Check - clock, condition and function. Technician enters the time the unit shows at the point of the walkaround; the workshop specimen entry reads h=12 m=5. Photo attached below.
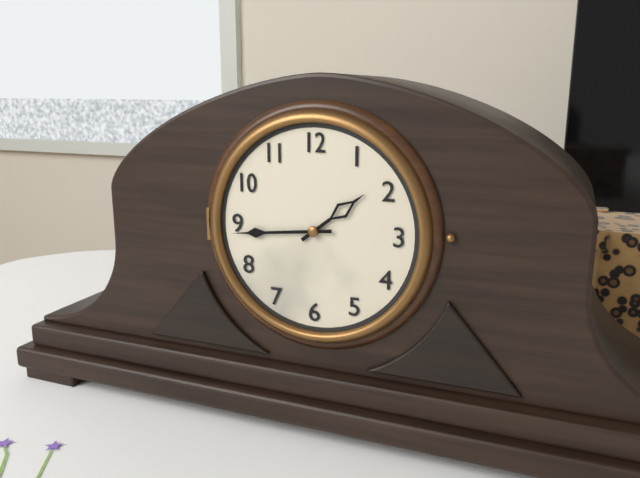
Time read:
h=1 m=44
